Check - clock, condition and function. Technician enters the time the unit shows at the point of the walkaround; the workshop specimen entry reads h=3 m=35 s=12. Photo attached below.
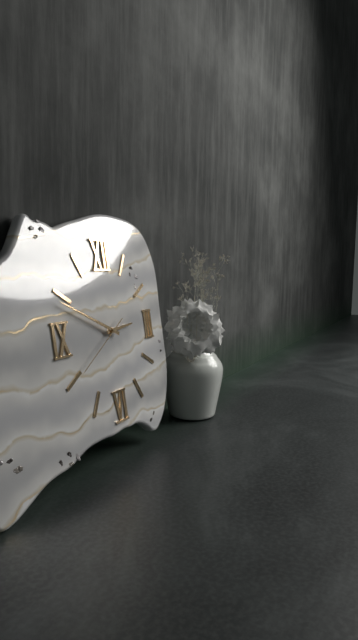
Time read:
h=2 m=49 s=40
